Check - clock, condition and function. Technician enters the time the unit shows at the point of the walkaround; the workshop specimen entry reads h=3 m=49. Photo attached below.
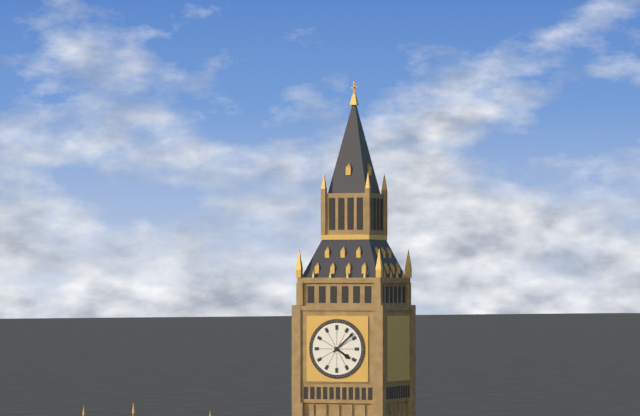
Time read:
h=4 m=8
